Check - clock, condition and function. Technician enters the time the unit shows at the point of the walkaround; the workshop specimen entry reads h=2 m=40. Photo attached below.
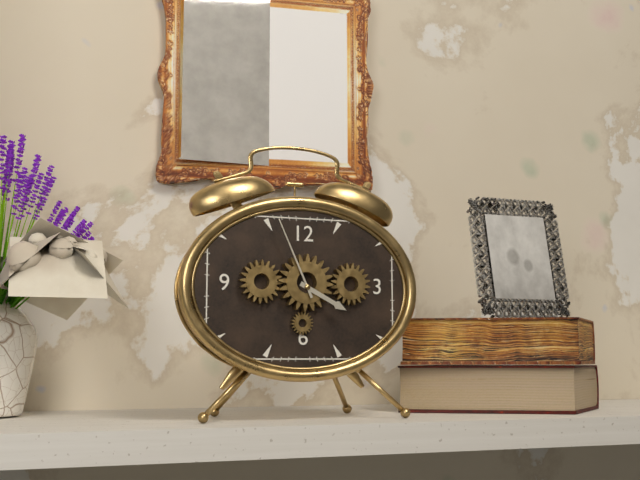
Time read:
h=3 m=56
